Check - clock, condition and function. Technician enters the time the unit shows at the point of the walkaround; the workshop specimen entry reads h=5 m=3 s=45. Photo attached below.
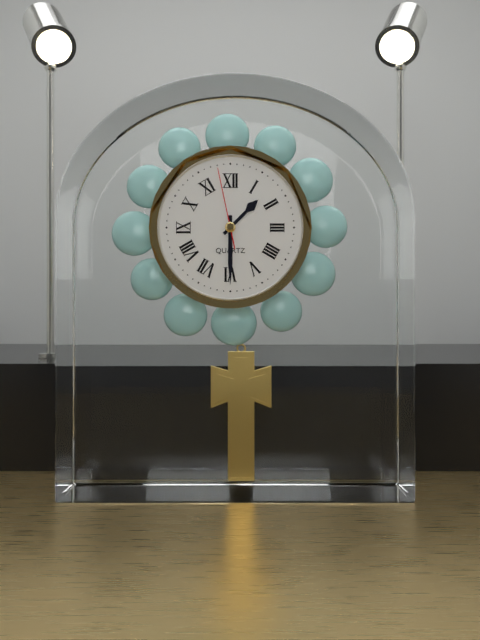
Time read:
h=1 m=30 s=58
